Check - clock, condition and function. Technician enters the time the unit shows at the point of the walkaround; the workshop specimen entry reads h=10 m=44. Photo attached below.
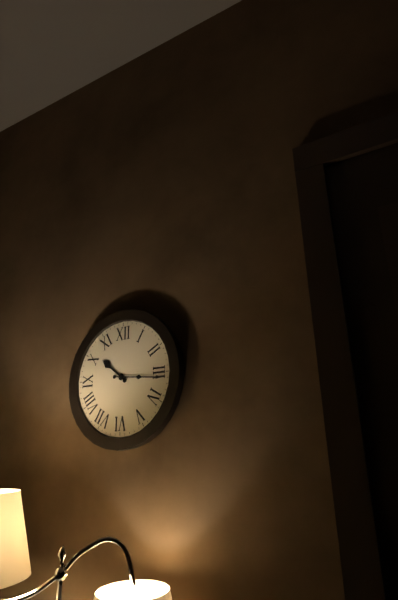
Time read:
h=10 m=16
